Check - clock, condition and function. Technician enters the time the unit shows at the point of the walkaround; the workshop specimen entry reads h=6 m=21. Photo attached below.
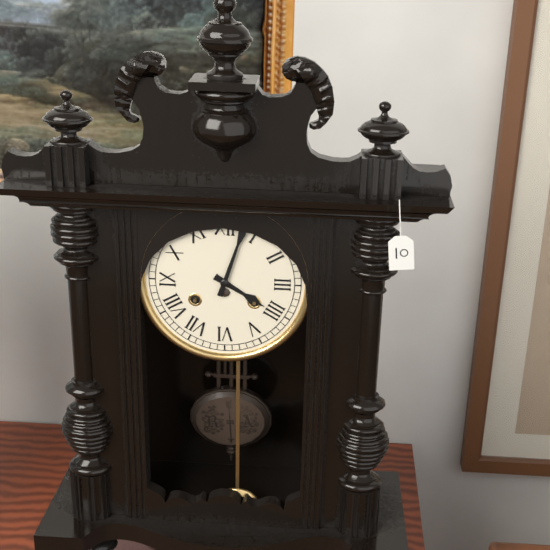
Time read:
h=4 m=3
